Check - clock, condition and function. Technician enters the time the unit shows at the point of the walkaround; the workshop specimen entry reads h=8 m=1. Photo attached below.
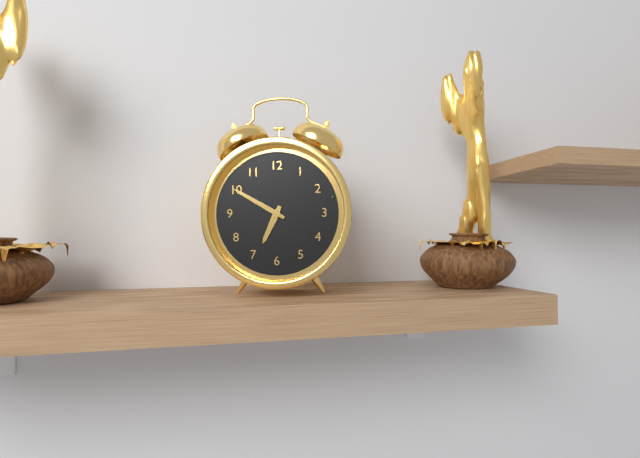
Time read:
h=6 m=50
